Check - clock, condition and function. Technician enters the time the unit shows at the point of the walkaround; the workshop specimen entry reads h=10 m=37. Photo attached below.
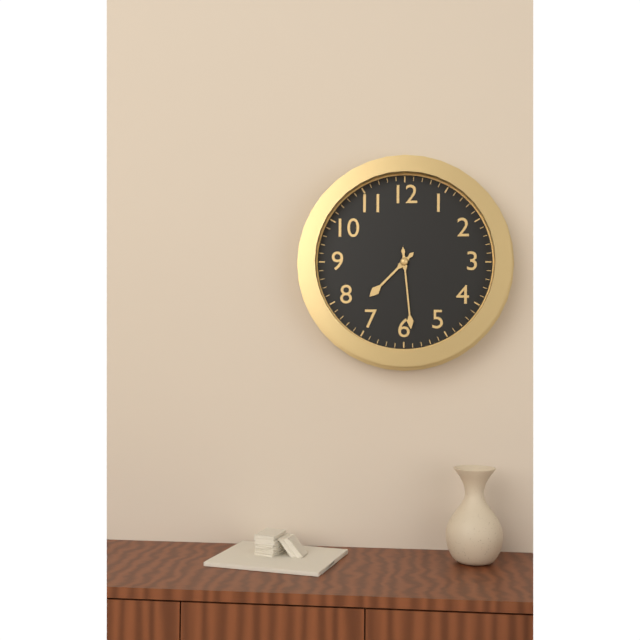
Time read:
h=7 m=29
